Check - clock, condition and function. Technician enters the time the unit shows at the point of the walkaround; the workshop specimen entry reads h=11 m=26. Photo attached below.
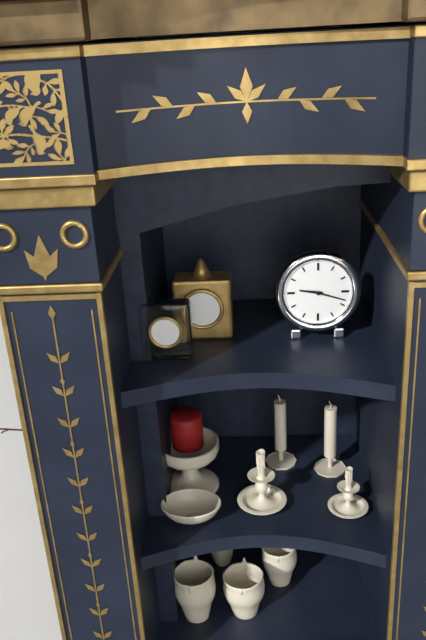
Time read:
h=9 m=18
